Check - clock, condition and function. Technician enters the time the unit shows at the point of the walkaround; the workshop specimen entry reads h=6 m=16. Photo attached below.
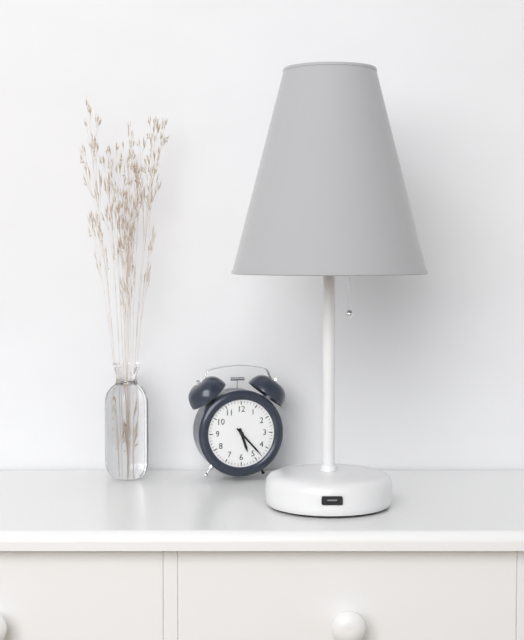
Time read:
h=5 m=23
